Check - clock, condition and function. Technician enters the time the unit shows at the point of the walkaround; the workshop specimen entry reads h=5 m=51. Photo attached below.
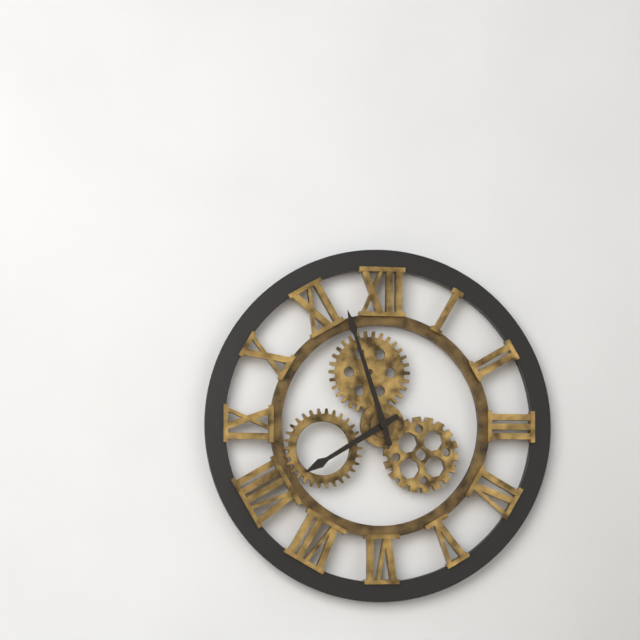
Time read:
h=7 m=57
